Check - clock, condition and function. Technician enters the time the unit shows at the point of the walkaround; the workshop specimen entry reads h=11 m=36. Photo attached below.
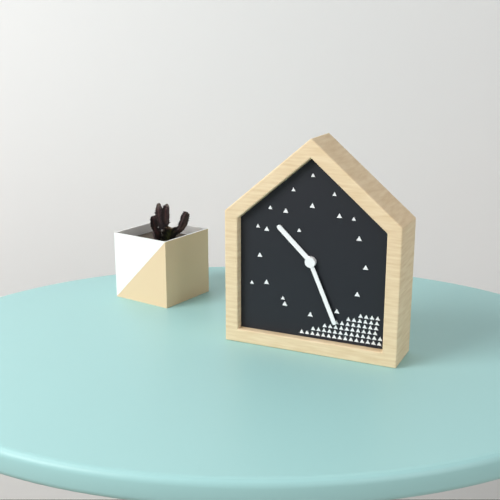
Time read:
h=10 m=26
